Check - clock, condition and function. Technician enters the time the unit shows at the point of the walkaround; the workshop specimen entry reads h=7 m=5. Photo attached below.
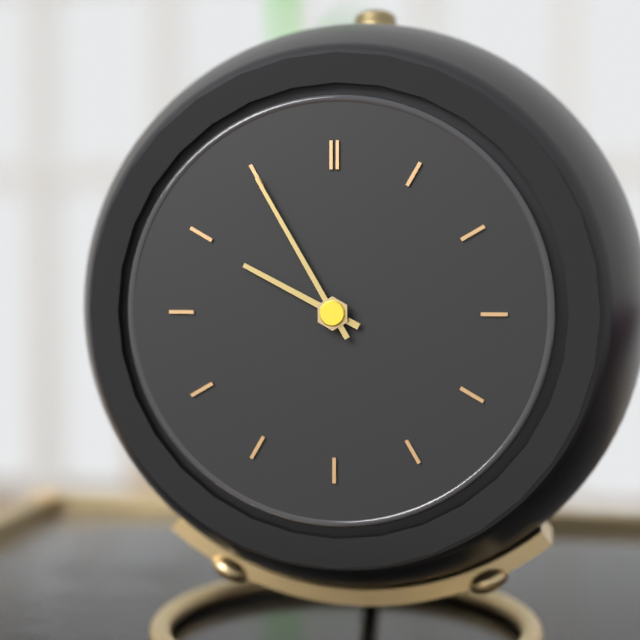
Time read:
h=9 m=55
